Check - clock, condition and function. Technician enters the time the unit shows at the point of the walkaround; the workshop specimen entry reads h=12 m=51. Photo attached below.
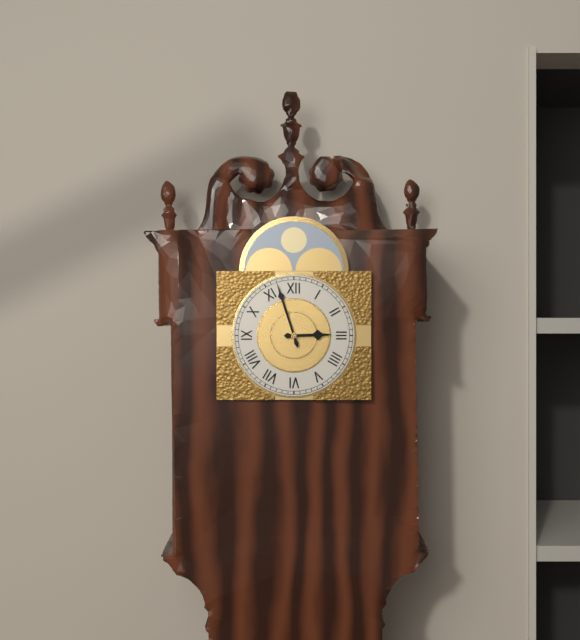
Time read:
h=2 m=57
